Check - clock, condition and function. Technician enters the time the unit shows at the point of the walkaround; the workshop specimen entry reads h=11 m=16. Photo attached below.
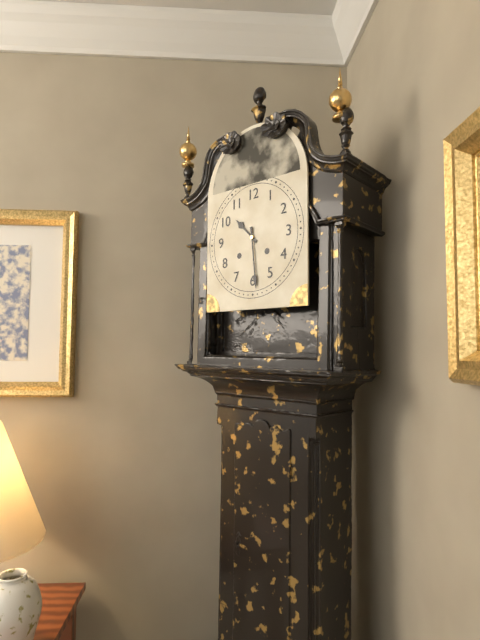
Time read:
h=10 m=29
